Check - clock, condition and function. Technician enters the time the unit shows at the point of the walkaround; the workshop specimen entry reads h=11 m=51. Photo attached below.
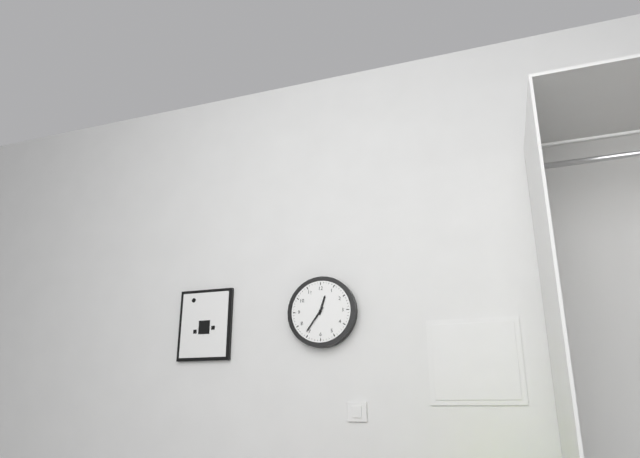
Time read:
h=12 m=36
